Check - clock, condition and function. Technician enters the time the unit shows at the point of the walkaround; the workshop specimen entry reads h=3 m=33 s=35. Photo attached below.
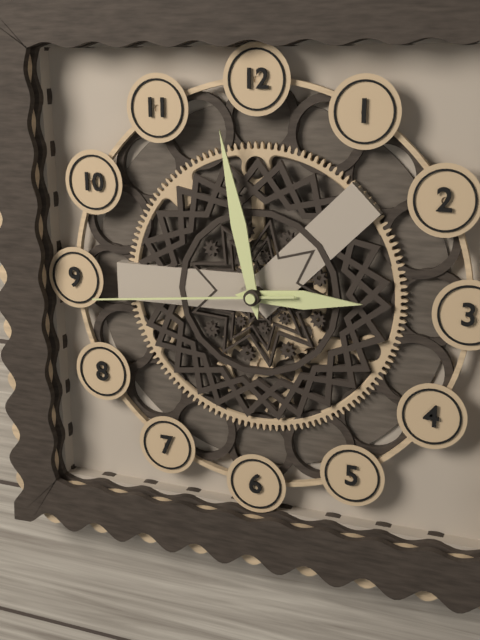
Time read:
h=2 m=58 s=44
